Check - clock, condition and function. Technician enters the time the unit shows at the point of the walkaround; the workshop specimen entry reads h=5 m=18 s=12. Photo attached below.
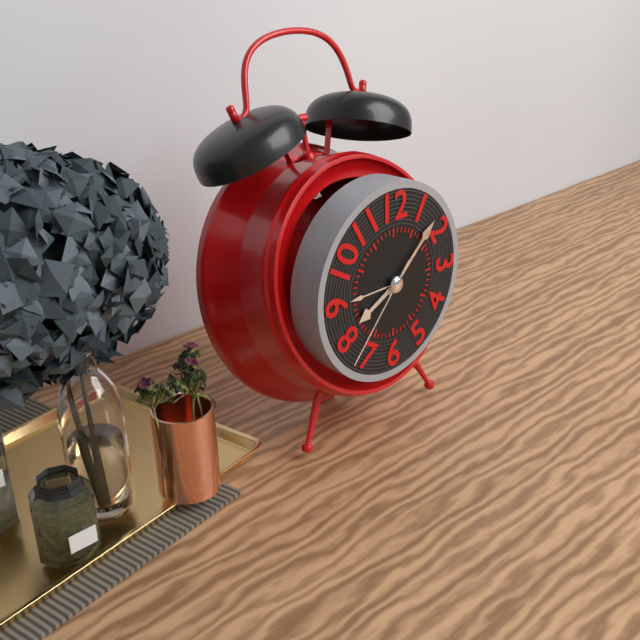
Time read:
h=8 m=8 s=37
